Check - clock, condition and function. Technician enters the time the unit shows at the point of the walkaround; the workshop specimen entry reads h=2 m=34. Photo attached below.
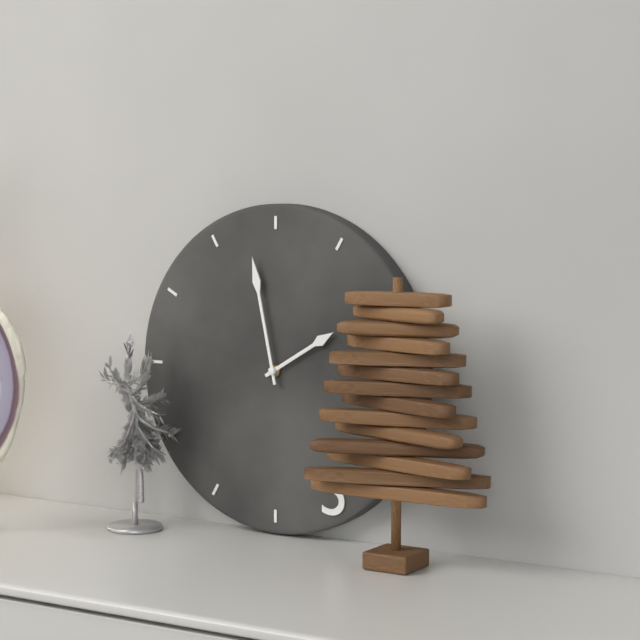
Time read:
h=1 m=58
